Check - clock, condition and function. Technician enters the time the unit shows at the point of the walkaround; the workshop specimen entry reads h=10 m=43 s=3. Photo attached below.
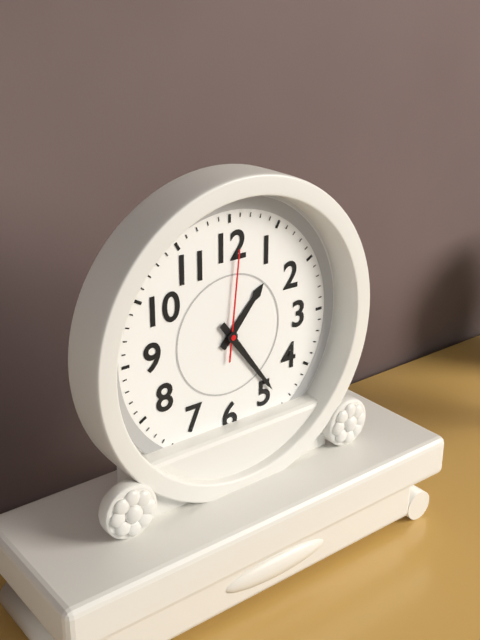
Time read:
h=1 m=24 s=1
